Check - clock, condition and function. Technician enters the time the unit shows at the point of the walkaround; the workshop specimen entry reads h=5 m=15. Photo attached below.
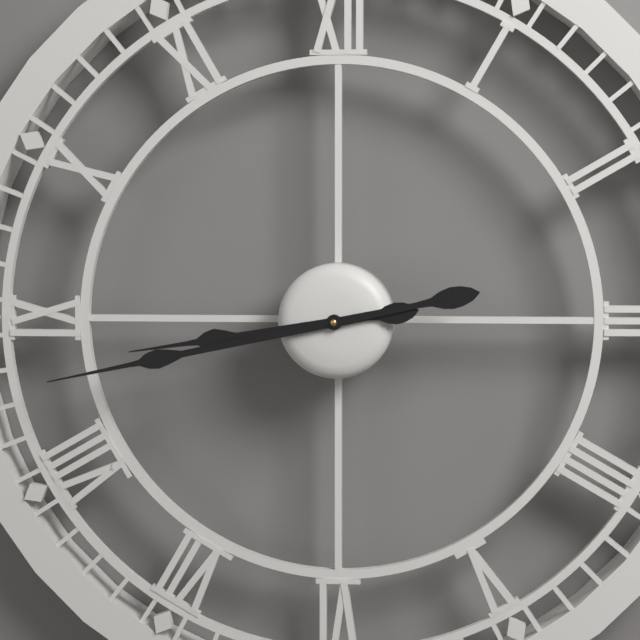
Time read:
h=8 m=43
